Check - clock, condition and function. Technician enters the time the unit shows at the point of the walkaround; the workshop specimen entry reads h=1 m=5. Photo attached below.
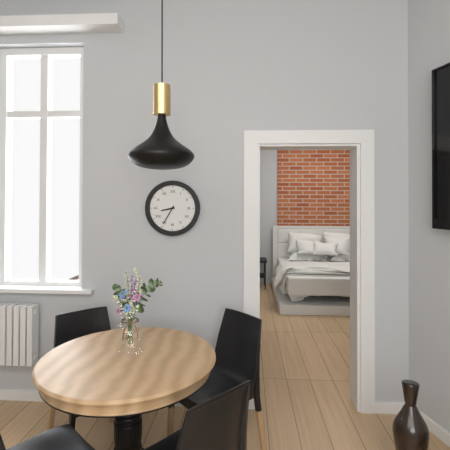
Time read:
h=8 m=35
